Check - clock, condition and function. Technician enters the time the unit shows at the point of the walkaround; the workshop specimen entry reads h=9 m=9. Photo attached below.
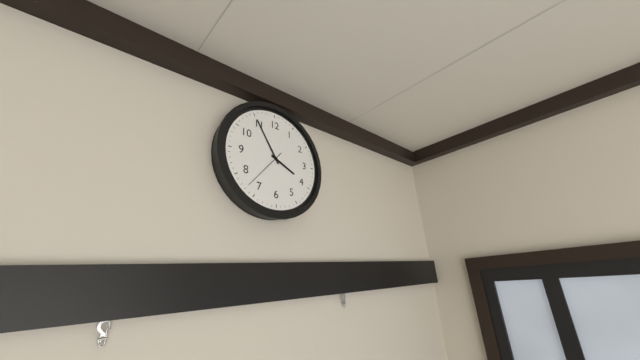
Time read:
h=3 m=55
